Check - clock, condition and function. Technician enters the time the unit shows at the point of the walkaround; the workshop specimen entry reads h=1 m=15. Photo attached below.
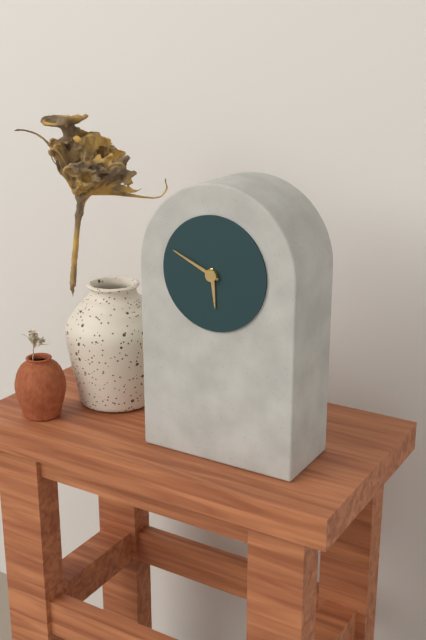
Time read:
h=5 m=49
